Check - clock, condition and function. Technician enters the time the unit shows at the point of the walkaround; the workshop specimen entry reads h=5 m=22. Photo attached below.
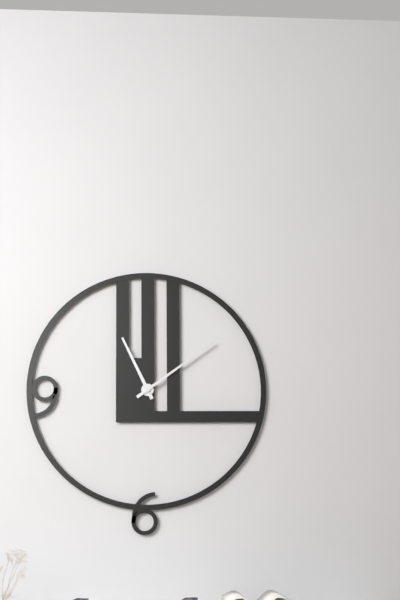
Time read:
h=11 m=9
